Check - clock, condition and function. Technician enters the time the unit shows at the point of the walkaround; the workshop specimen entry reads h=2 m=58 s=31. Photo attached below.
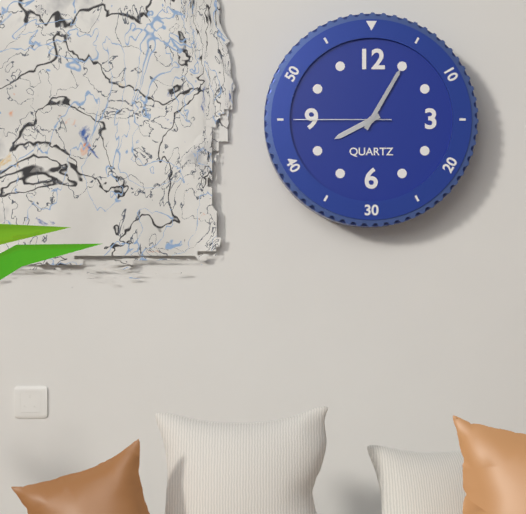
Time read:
h=8 m=5 s=45
